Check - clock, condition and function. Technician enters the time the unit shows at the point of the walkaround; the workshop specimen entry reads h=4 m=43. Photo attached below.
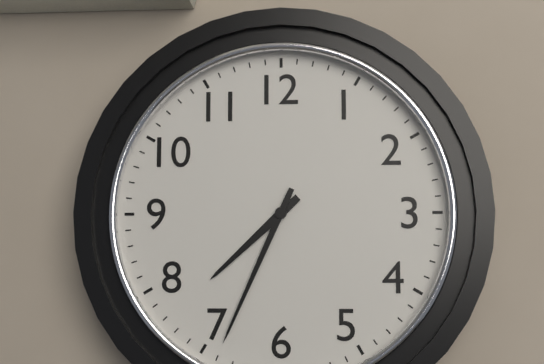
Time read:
h=7 m=34
